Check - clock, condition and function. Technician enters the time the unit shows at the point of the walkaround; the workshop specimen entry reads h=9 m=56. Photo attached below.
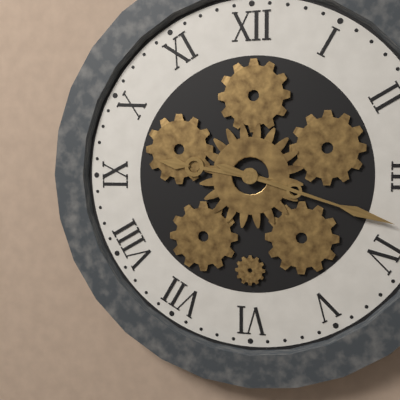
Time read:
h=9 m=18
